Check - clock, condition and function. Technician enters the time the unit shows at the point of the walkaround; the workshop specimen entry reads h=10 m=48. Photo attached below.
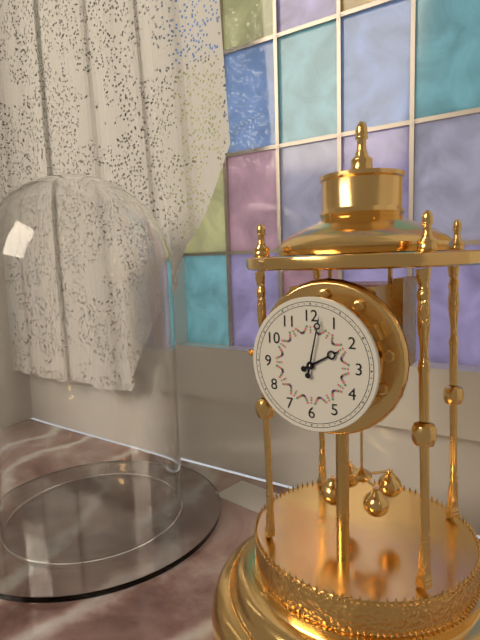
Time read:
h=2 m=2
